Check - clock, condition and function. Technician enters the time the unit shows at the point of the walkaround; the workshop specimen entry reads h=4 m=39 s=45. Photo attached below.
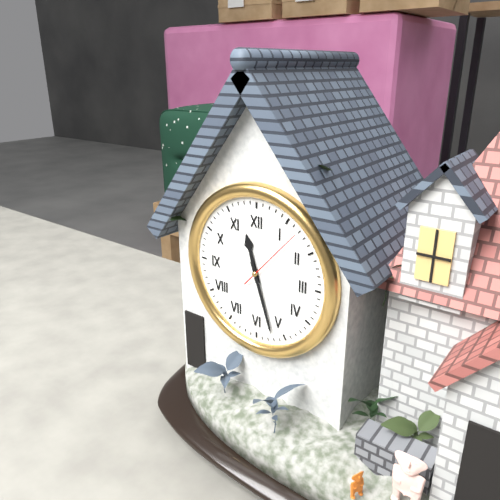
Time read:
h=11 m=27 s=7
